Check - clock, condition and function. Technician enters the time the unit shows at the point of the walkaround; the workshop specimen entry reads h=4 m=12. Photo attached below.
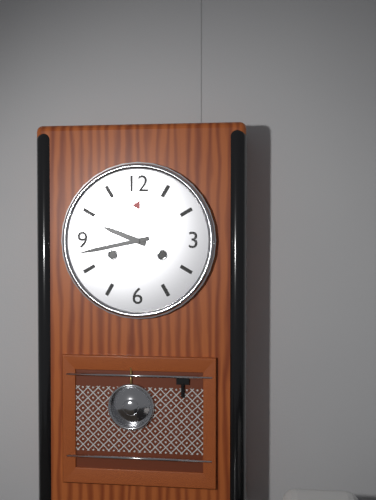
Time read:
h=9 m=43
